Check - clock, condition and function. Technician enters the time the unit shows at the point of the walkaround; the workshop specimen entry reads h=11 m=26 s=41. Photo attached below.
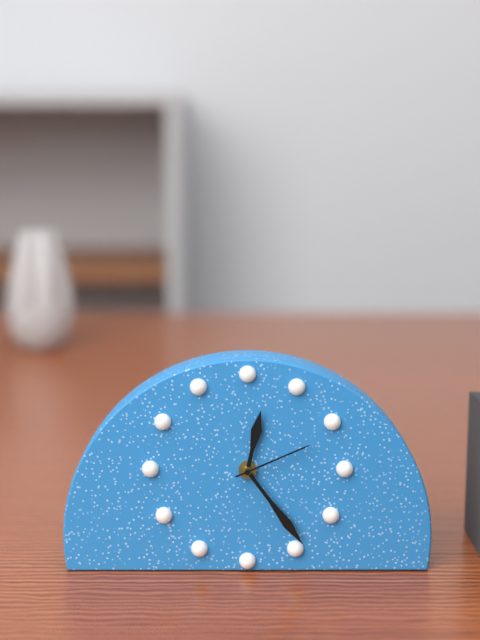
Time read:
h=12 m=24 s=11
